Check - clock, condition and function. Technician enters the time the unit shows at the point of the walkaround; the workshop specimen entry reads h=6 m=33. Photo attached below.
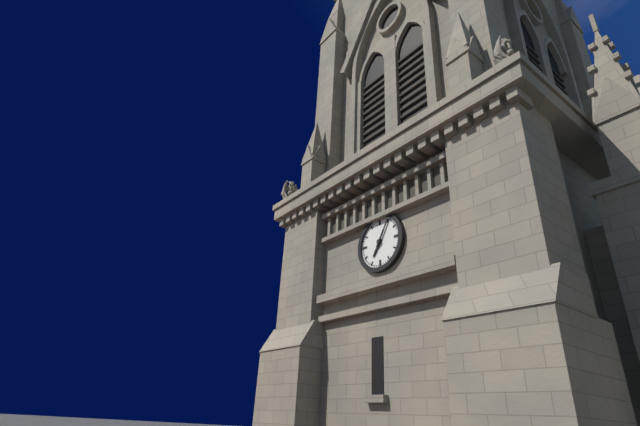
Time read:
h=7 m=5
